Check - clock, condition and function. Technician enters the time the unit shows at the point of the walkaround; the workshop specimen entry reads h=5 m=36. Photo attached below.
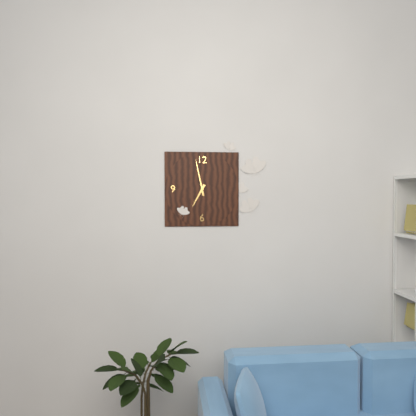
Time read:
h=6 m=58
